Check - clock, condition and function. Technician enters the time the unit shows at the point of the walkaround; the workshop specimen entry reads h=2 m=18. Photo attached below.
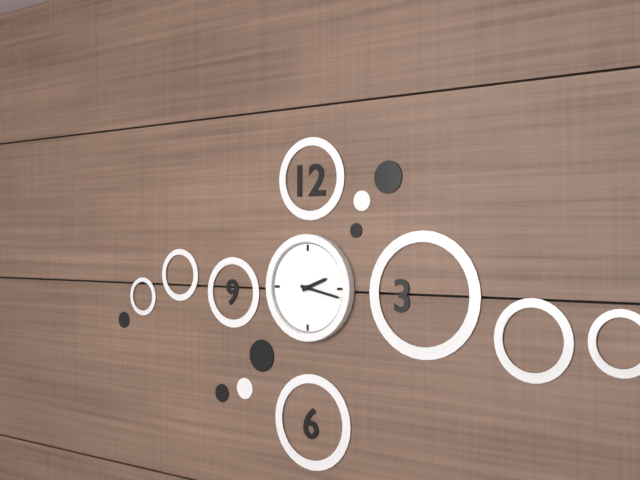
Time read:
h=2 m=17
